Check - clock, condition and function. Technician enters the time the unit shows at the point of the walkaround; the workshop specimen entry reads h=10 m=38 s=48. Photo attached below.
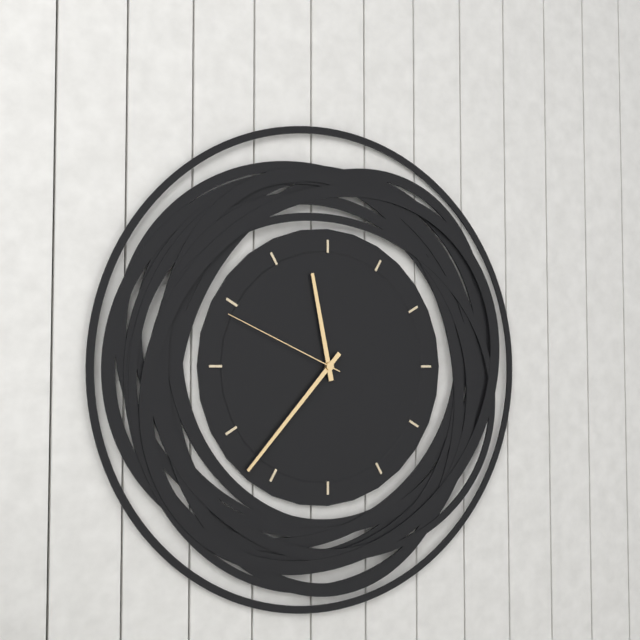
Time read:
h=11 m=37 s=49
